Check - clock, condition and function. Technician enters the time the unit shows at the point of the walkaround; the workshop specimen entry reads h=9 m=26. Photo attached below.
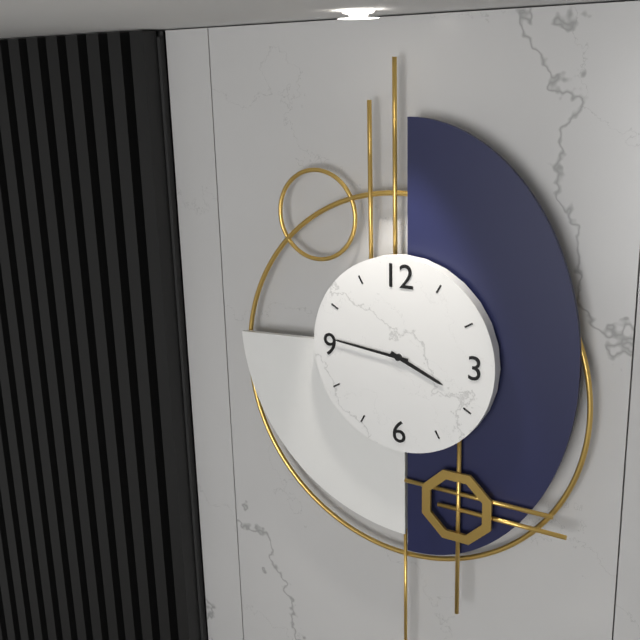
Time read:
h=3 m=46
